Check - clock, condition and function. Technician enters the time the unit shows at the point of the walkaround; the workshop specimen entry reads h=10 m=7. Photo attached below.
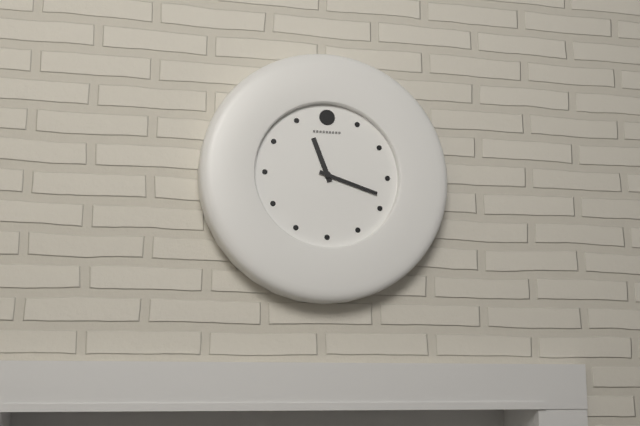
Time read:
h=11 m=18
